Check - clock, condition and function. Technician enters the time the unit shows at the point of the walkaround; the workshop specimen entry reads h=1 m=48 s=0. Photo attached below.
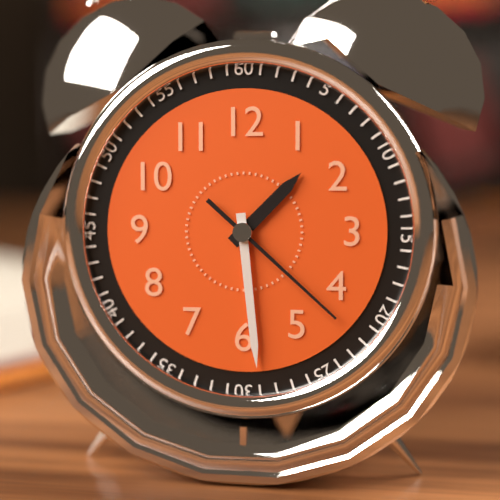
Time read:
h=1 m=29 s=22
